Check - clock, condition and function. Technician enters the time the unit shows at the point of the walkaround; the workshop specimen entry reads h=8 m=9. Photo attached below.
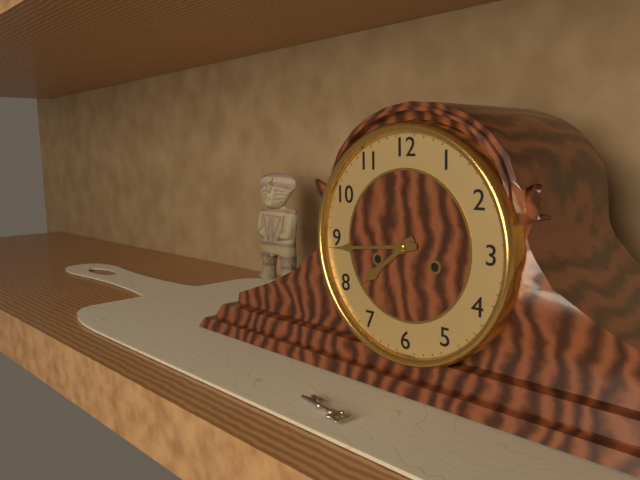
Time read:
h=7 m=44
